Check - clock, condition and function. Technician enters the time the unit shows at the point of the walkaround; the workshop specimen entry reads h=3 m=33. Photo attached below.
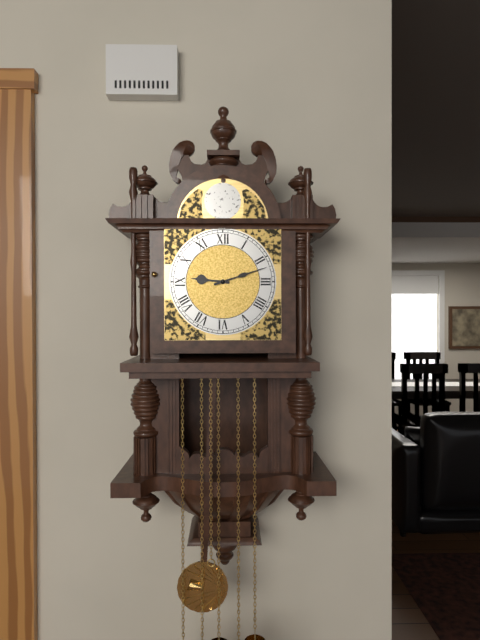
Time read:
h=9 m=12
